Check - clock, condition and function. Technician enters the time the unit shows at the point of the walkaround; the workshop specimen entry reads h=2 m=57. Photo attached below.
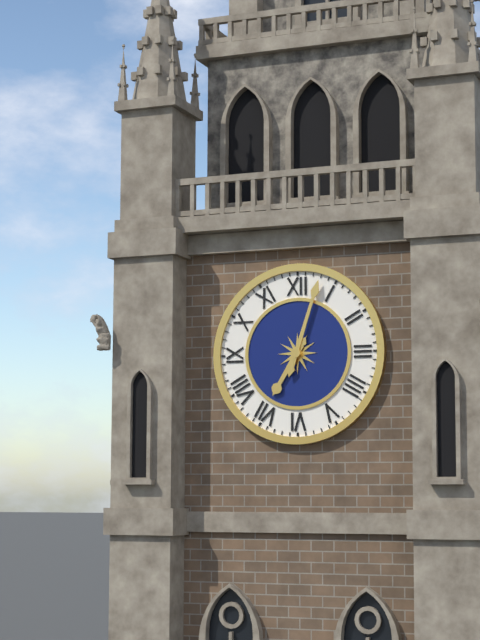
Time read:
h=7 m=3
